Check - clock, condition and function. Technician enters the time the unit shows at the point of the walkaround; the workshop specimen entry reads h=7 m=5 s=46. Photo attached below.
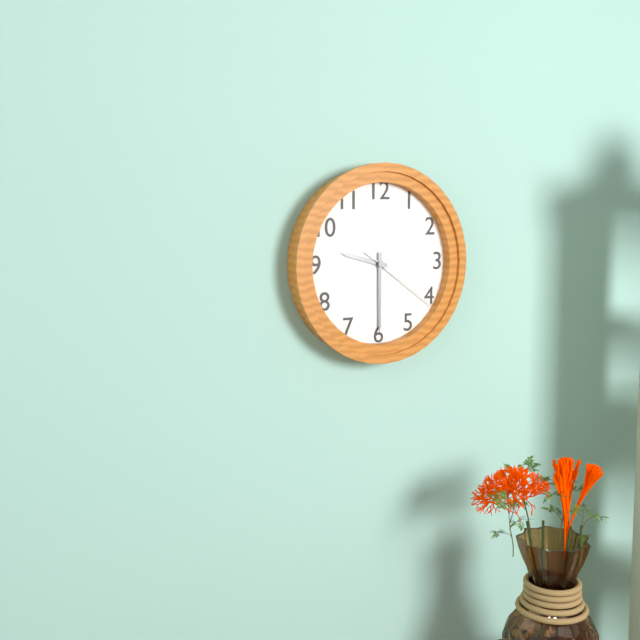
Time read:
h=9 m=30 s=21
